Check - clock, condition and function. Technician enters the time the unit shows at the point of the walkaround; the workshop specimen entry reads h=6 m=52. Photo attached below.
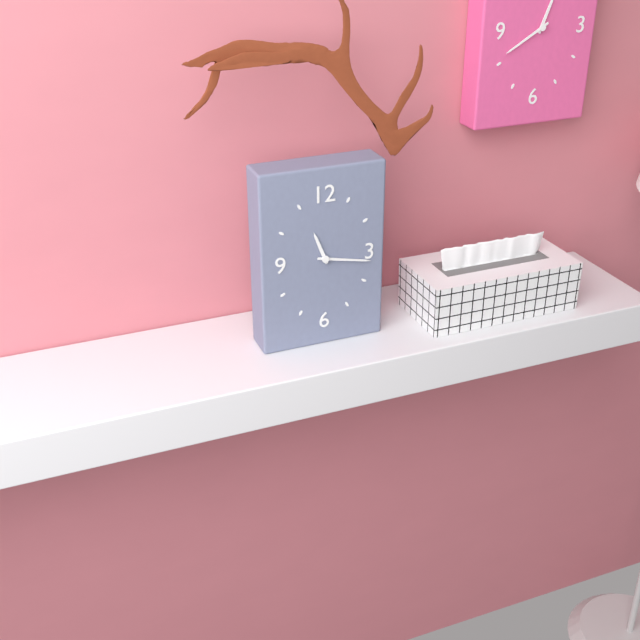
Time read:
h=11 m=17
